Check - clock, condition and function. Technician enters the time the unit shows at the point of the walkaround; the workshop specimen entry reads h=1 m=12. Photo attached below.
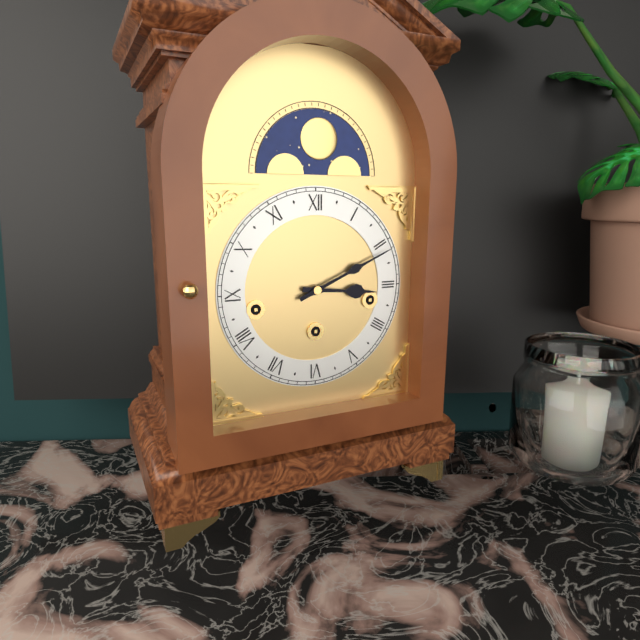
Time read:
h=3 m=11
